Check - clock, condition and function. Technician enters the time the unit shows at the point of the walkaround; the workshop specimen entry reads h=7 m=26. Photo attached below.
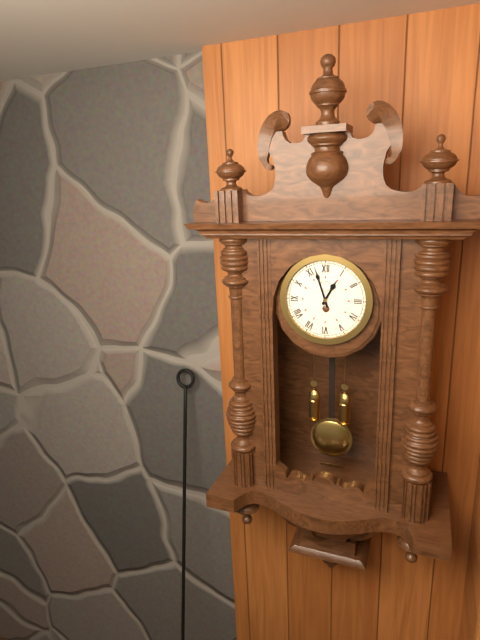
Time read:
h=12 m=57
